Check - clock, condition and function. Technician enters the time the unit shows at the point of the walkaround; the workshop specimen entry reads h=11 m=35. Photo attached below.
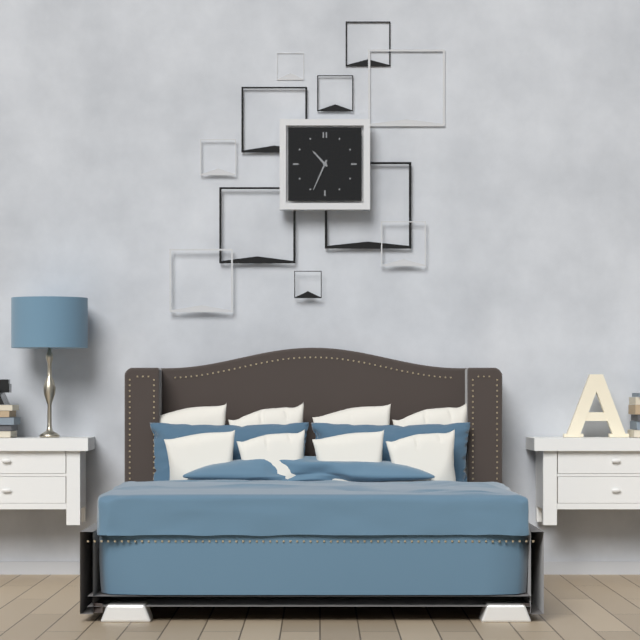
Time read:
h=10 m=34
